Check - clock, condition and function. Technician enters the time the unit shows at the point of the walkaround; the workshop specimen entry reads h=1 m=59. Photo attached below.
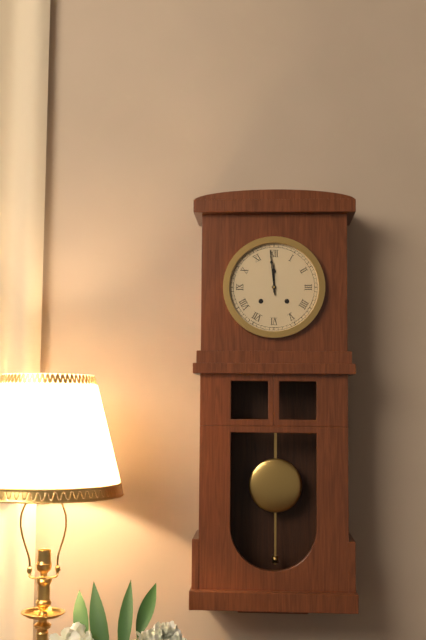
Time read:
h=11 m=59
